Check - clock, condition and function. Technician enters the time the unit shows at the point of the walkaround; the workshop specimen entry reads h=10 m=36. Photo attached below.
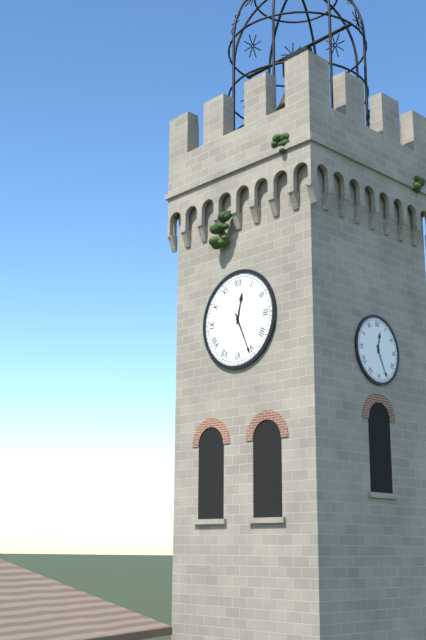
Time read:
h=12 m=26
